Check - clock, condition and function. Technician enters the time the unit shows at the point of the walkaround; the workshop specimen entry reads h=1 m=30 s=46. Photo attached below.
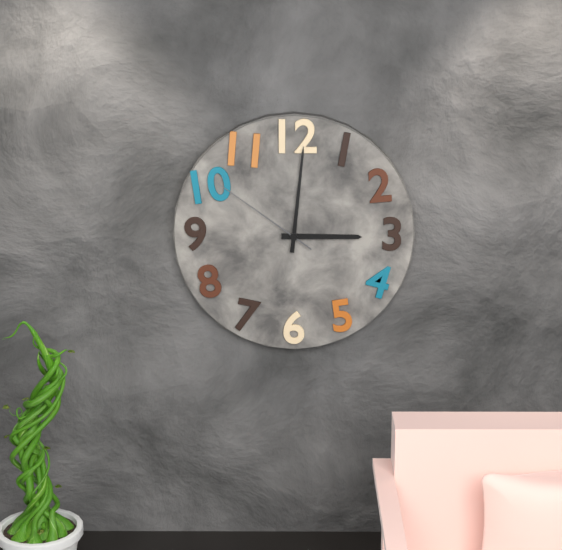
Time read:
h=3 m=1 s=51
